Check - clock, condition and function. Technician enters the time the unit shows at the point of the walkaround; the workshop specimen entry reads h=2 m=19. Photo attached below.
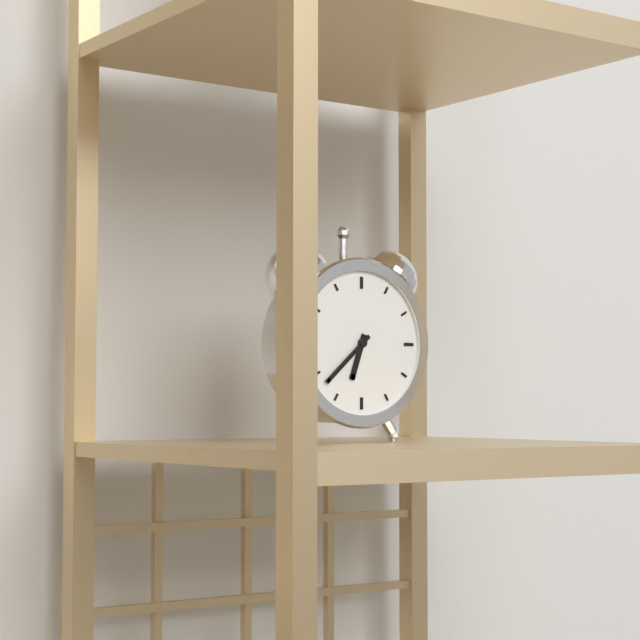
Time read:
h=6 m=38
